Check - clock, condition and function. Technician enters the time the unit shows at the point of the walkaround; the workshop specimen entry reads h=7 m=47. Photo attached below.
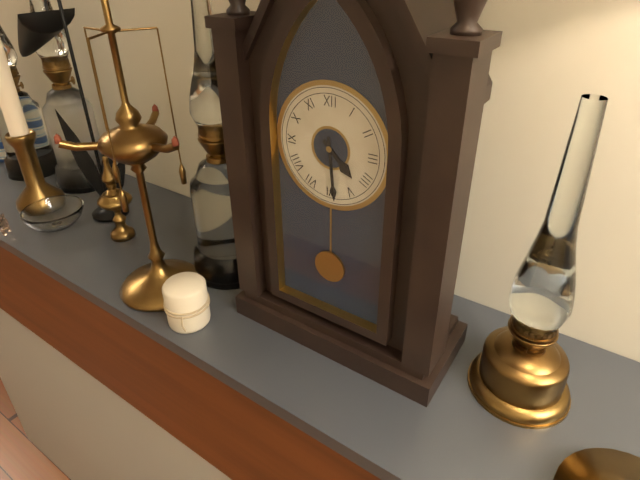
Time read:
h=4 m=29
